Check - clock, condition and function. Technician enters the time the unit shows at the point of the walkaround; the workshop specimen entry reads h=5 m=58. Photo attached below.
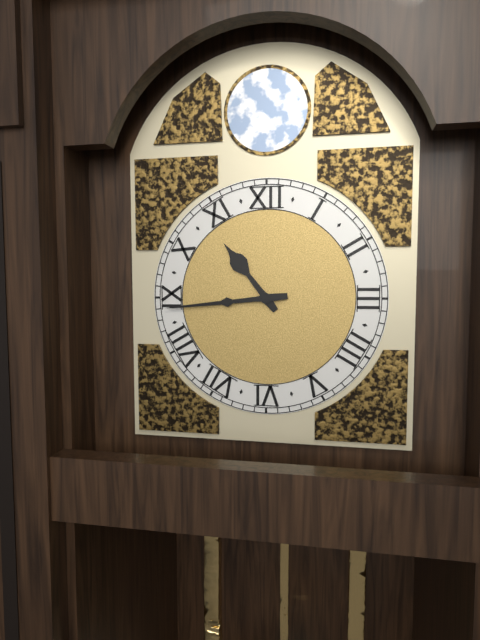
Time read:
h=10 m=44
